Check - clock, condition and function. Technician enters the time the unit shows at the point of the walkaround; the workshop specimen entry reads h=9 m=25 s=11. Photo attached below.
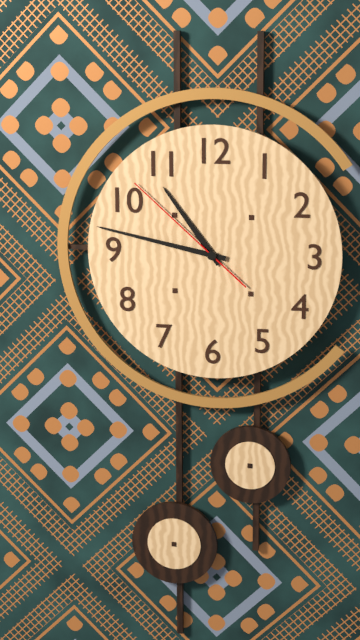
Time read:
h=10 m=47 s=52
